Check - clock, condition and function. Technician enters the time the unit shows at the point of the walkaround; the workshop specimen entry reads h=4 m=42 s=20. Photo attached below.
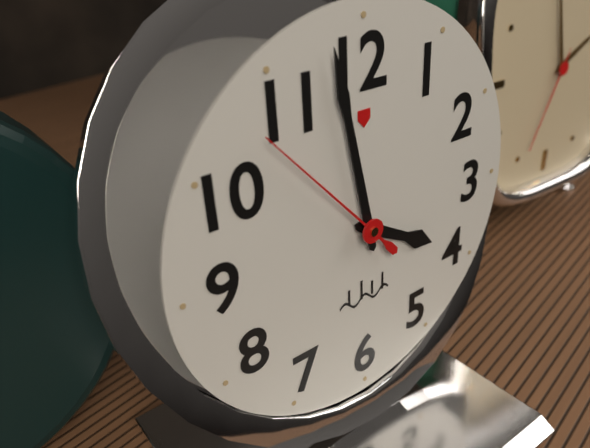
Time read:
h=3 m=58 s=53
